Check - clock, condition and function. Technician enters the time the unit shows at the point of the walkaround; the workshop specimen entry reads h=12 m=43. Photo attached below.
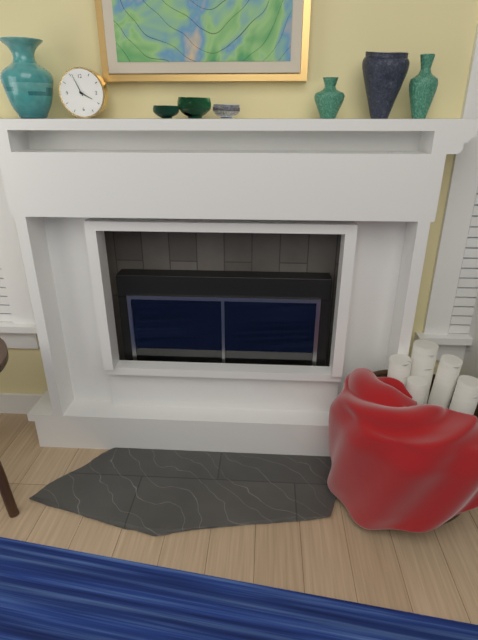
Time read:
h=3 m=56
